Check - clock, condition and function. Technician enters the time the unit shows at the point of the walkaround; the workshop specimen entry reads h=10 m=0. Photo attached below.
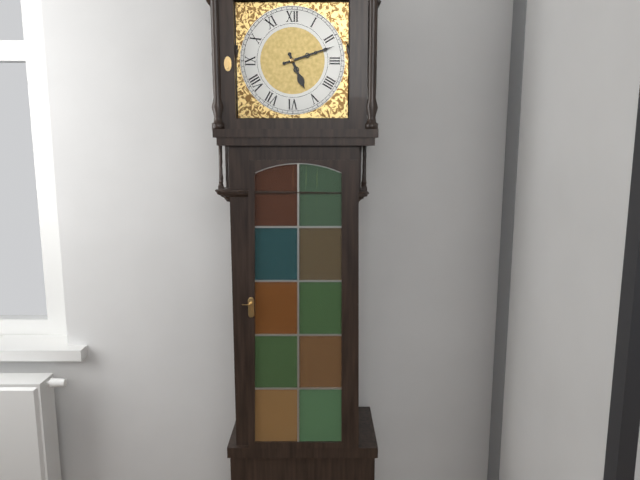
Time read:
h=5 m=12
